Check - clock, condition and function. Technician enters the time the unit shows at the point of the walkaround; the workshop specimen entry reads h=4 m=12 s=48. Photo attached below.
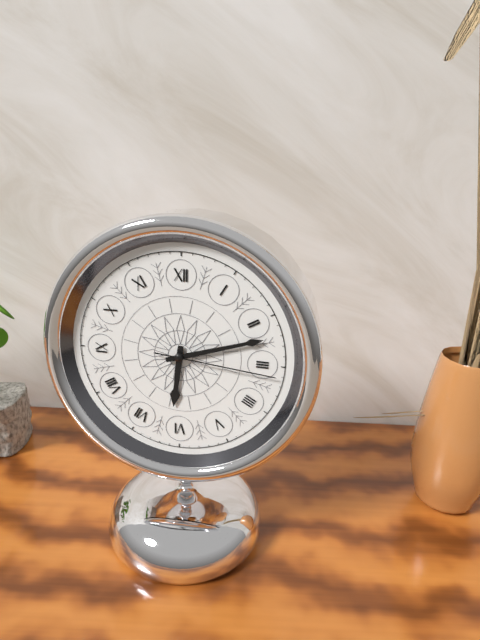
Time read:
h=6 m=12 s=16
